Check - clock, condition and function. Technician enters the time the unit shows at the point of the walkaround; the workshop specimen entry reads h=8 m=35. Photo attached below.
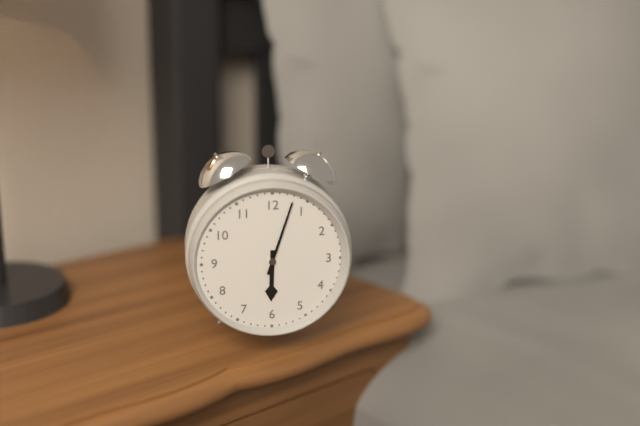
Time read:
h=6 m=3
